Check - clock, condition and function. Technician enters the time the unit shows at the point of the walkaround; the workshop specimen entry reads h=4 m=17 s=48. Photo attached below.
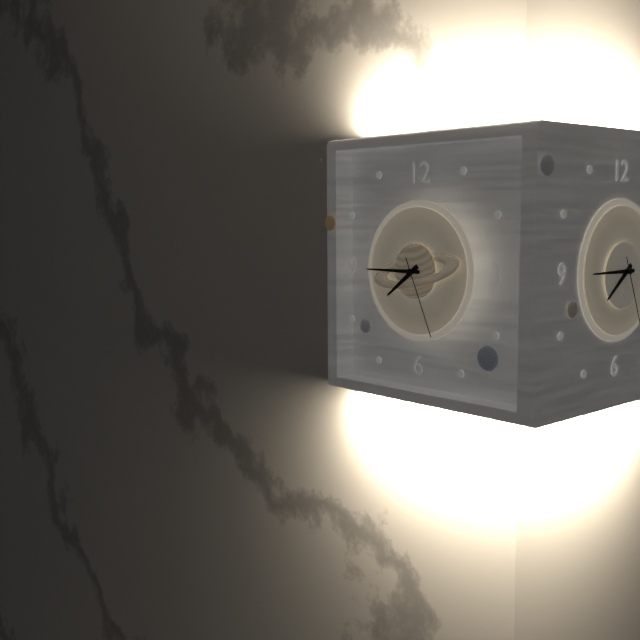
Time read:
h=7 m=45 s=26
